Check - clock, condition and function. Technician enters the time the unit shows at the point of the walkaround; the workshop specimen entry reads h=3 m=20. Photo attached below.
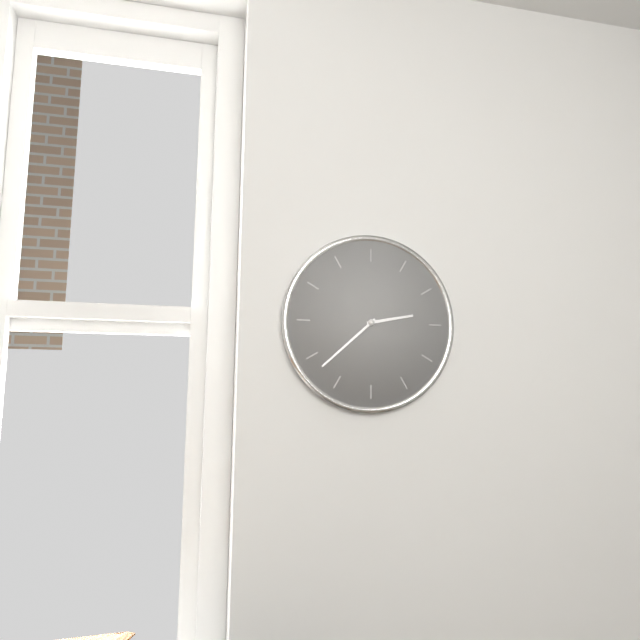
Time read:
h=2 m=38
